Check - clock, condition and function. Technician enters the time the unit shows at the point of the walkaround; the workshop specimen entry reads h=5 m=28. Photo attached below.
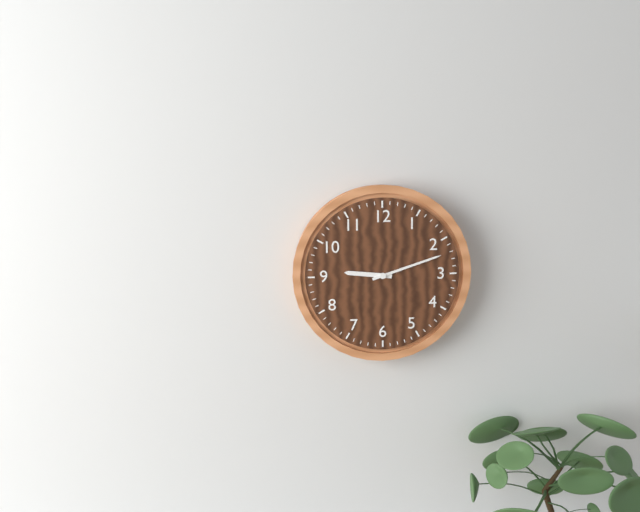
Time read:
h=9 m=12
